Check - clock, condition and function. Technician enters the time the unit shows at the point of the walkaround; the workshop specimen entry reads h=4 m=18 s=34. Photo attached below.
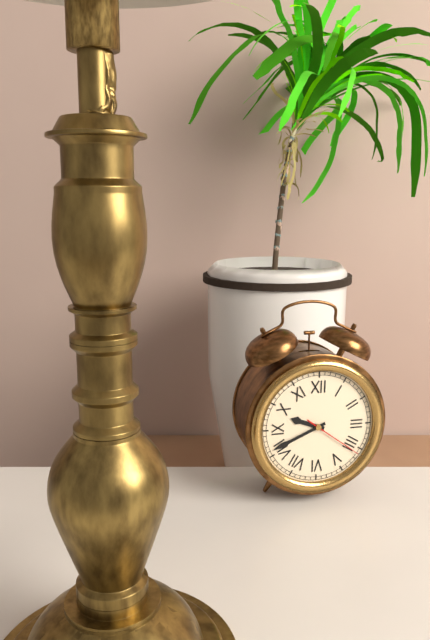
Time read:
h=9 m=41 s=21
